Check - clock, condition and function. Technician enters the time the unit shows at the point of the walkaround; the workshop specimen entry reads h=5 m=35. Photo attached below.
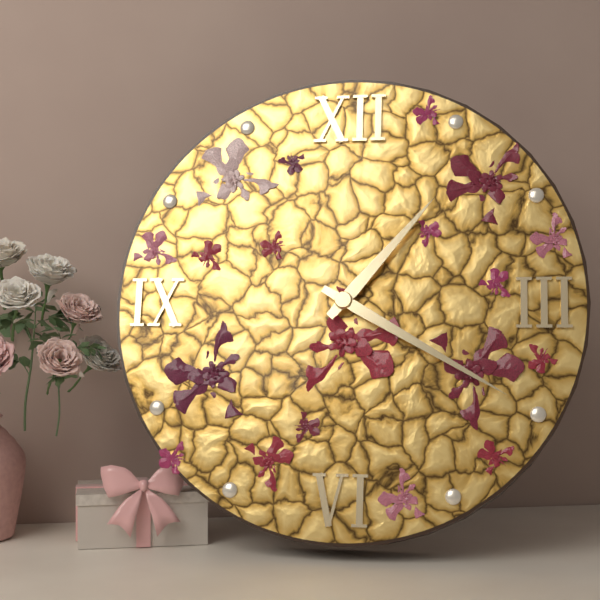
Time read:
h=1 m=20
